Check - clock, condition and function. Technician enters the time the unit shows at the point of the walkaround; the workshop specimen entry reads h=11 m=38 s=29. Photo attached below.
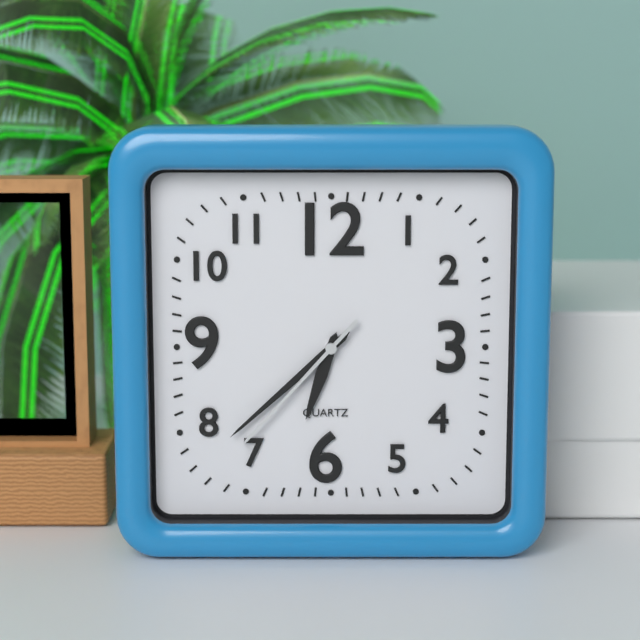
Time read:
h=6 m=38 s=37
